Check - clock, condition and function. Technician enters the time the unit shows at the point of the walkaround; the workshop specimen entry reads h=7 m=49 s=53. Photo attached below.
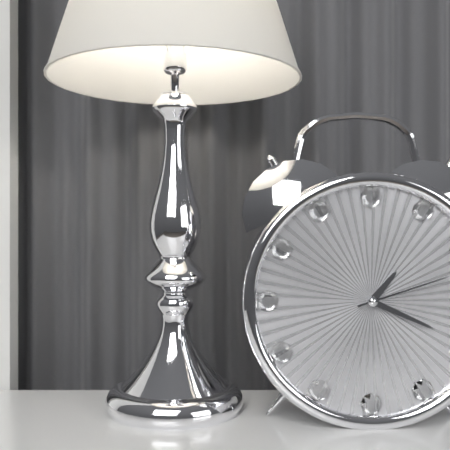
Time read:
h=1 m=19 s=12
